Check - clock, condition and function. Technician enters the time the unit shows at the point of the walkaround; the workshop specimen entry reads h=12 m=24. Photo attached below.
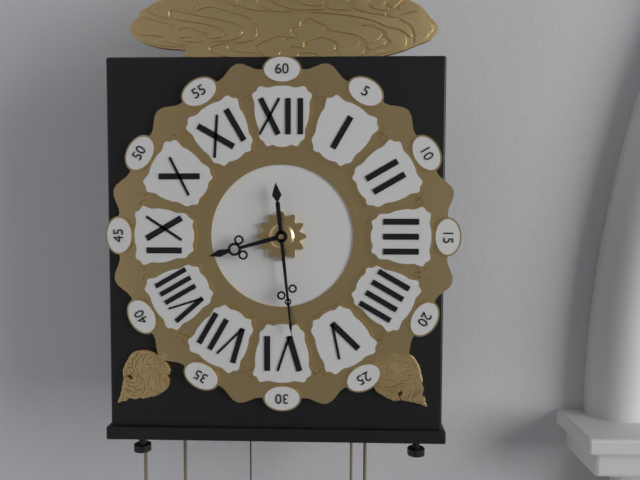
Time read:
h=8 m=29
